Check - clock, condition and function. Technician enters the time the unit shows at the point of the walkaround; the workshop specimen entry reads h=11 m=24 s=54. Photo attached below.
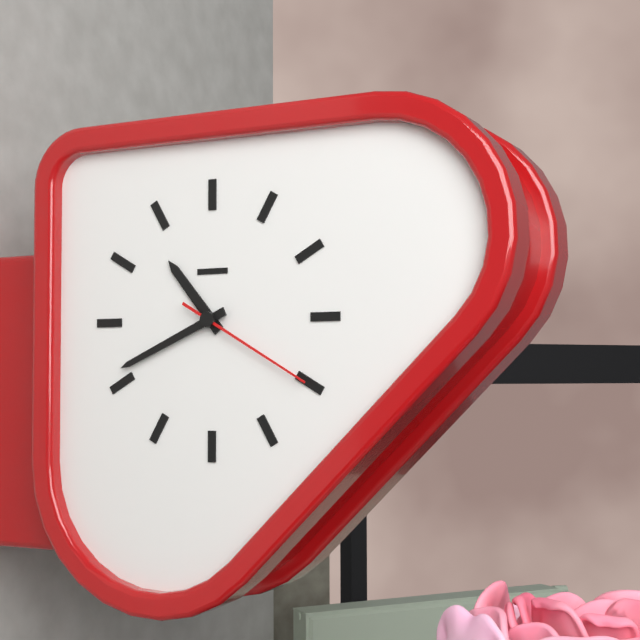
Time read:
h=10 m=41 s=20
